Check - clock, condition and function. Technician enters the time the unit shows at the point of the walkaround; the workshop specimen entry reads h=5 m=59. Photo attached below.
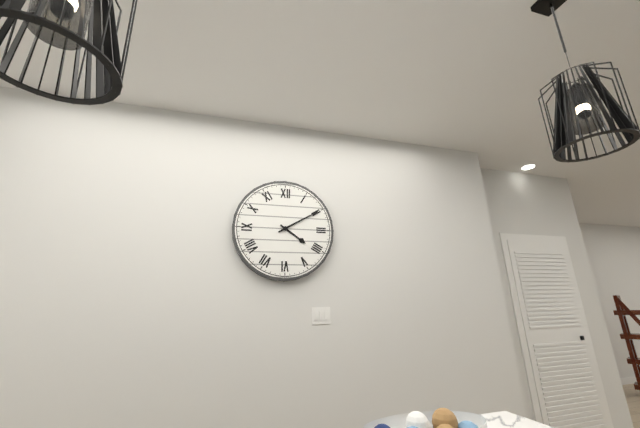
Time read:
h=4 m=10
